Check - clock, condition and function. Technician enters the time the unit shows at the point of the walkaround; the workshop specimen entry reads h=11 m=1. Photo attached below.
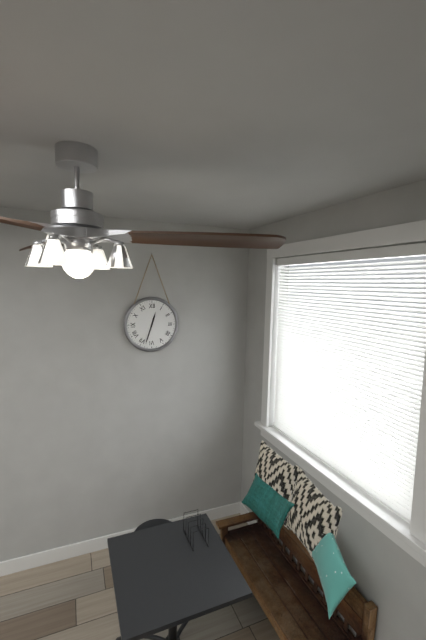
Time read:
h=12 m=33
